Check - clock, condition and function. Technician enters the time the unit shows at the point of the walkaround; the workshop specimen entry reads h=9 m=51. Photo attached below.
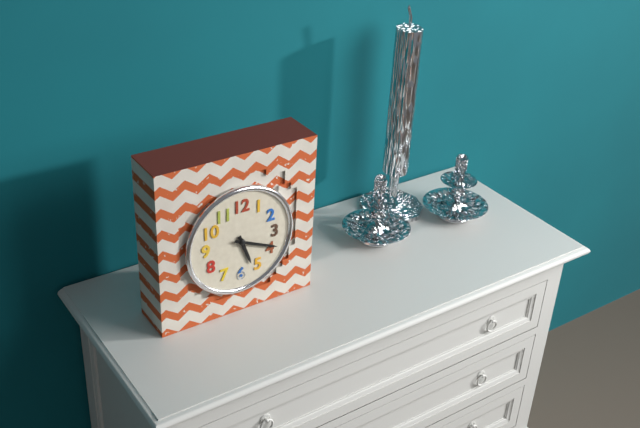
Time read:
h=5 m=19
